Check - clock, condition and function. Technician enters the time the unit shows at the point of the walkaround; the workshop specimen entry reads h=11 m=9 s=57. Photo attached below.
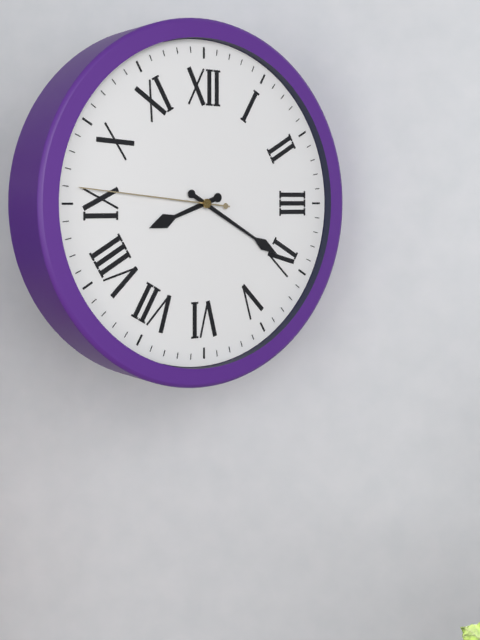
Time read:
h=8 m=20 s=46
